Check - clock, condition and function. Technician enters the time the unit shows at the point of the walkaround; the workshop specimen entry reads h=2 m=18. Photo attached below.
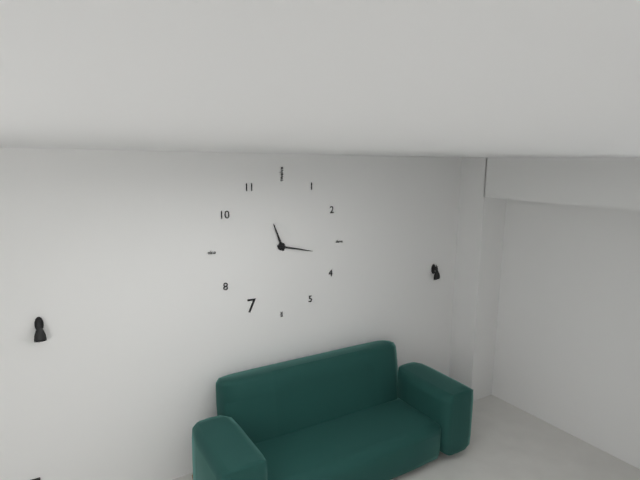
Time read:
h=11 m=17
